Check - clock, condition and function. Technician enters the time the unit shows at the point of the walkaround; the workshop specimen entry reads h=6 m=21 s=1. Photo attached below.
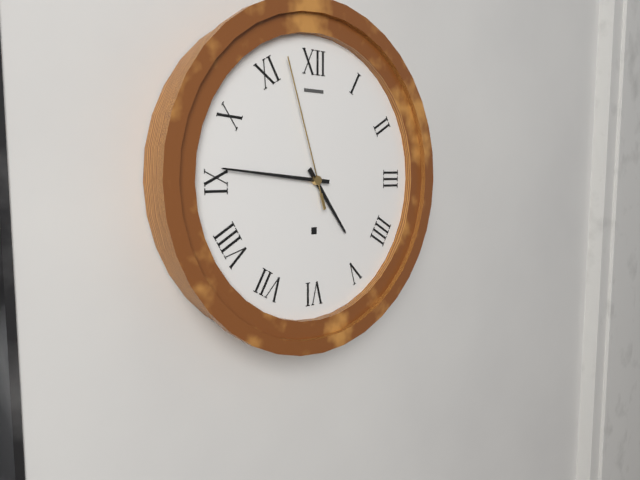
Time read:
h=4 m=46 s=57
